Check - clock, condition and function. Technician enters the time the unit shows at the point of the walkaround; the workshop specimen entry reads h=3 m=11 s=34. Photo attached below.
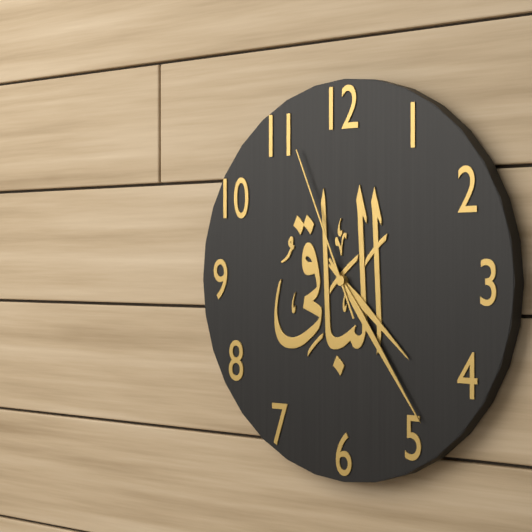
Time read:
h=4 m=24 s=56
